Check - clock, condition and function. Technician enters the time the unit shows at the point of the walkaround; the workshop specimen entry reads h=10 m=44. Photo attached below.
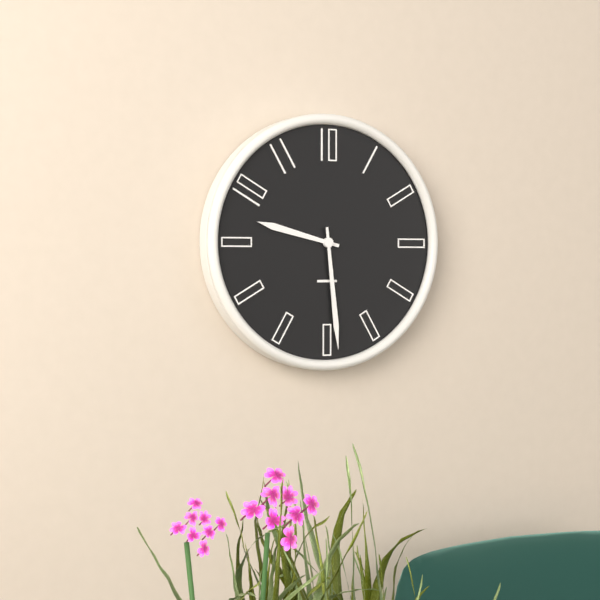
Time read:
h=9 m=29
